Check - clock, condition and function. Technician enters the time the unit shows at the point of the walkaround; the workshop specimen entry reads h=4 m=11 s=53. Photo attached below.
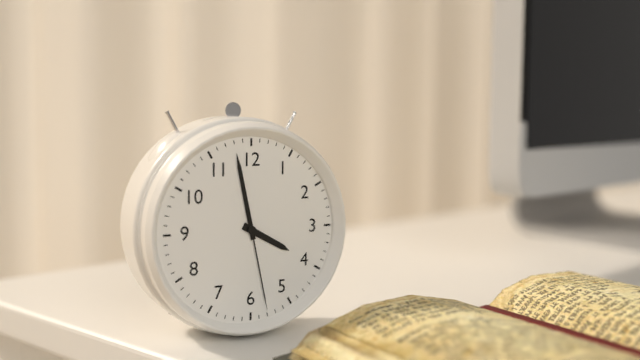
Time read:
h=3 m=58 s=28
